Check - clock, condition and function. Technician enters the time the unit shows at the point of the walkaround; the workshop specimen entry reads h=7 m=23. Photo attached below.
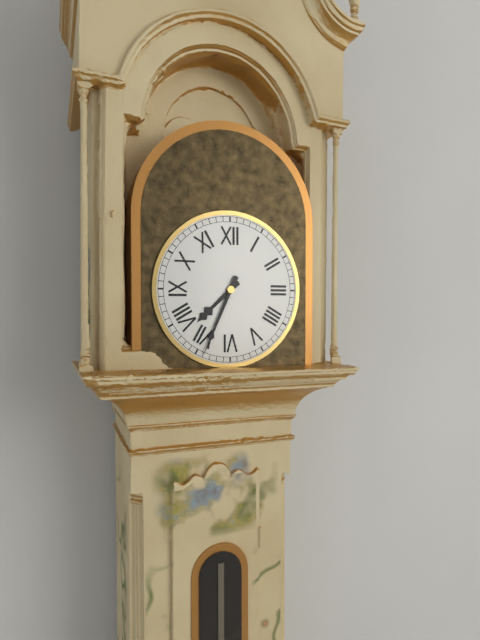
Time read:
h=7 m=34
